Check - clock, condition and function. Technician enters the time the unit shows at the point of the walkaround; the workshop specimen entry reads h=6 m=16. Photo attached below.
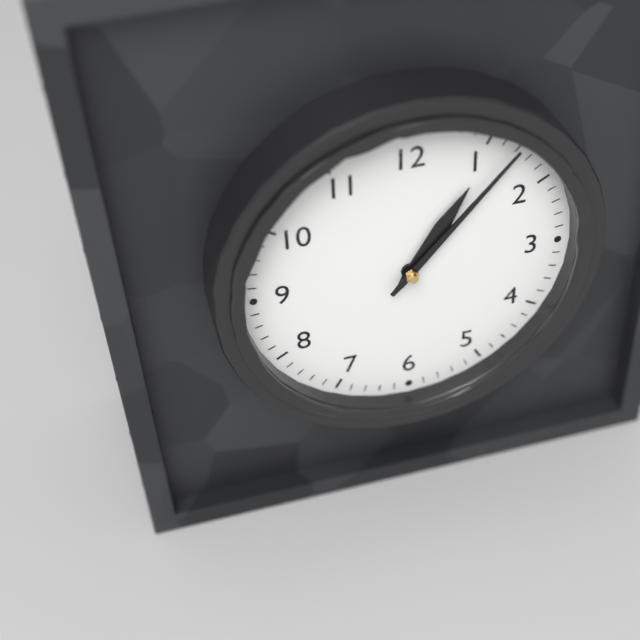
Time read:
h=1 m=7
